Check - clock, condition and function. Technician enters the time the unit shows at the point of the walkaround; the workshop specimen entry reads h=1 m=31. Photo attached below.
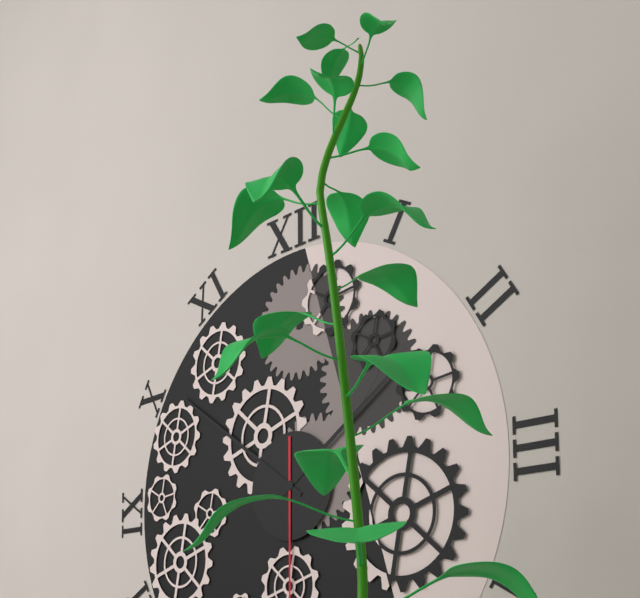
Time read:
h=1 m=51
